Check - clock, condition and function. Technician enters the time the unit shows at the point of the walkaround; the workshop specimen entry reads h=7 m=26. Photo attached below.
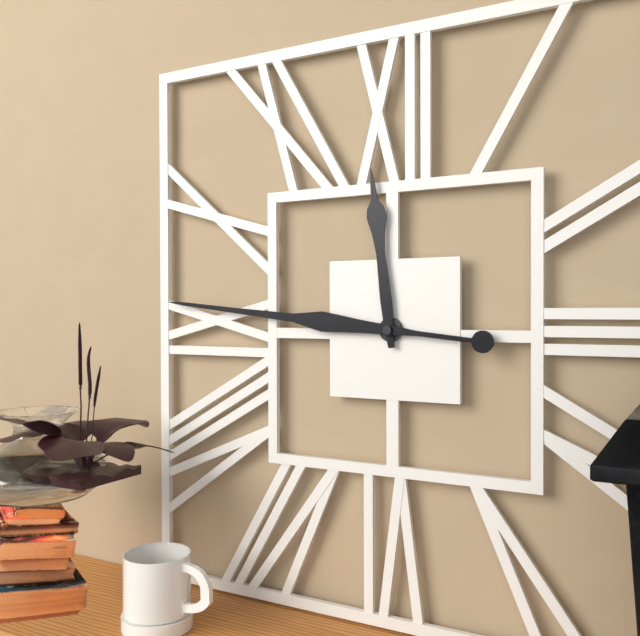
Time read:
h=11 m=46
